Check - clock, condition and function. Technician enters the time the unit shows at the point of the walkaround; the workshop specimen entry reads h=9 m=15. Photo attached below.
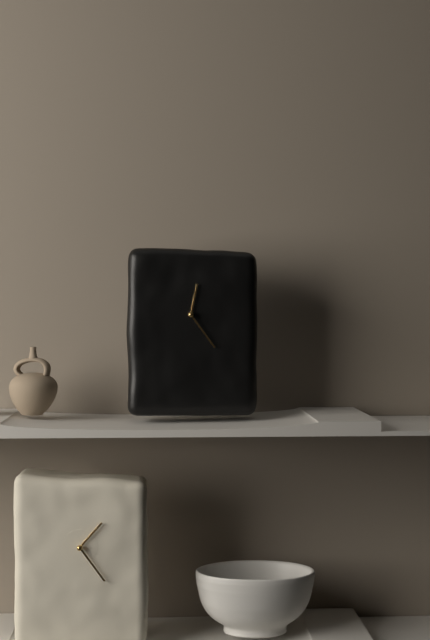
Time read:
h=12 m=24
